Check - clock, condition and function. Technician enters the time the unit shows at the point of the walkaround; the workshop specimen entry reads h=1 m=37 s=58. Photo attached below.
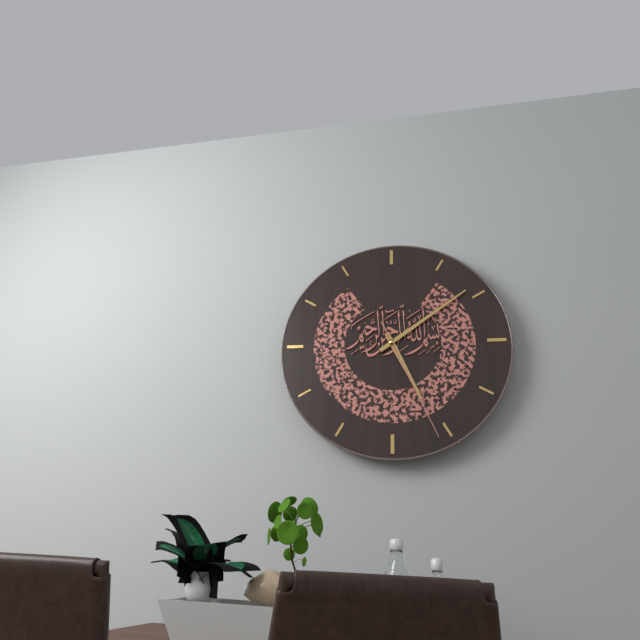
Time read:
h=5 m=9 s=26
